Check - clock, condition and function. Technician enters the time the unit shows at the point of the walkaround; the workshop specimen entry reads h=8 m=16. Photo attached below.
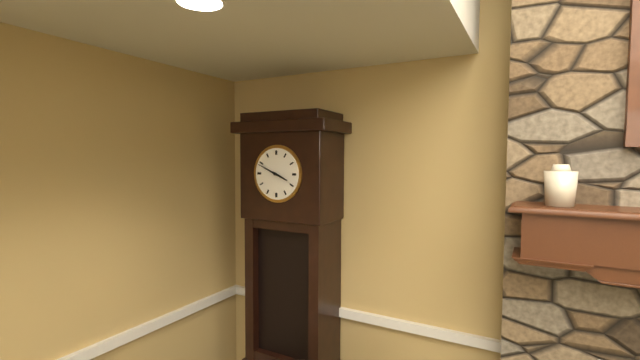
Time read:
h=3 m=49
